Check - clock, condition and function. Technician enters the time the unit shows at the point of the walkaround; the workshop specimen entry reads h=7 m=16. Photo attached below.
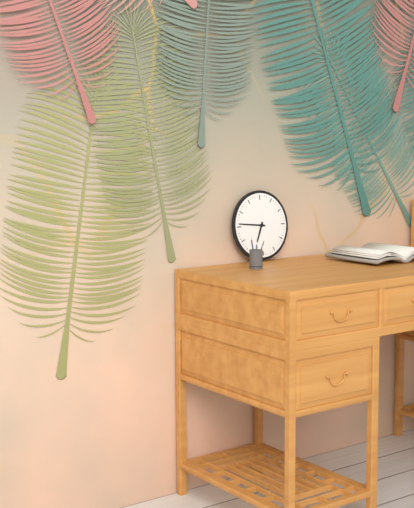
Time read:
h=6 m=46
